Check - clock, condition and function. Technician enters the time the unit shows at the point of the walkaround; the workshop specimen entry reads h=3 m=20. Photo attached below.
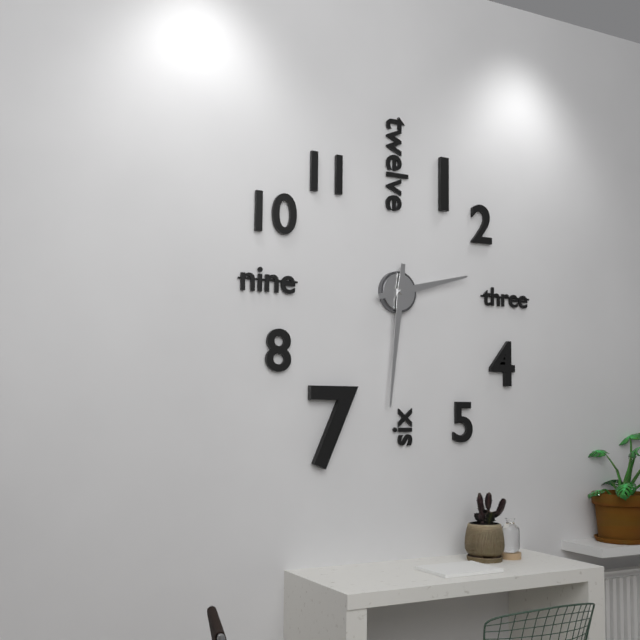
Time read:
h=2 m=31
